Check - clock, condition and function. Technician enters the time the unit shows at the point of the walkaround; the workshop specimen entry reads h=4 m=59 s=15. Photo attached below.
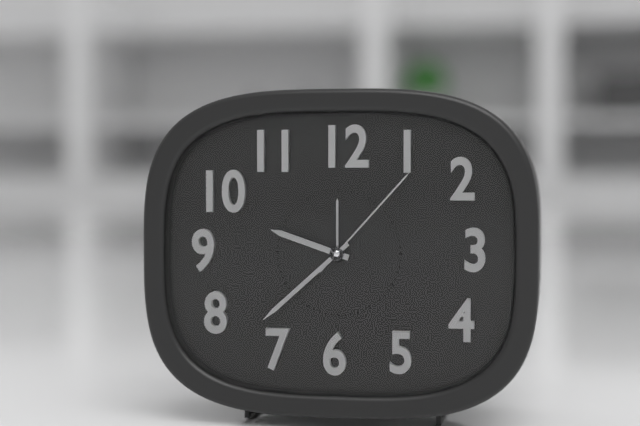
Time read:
h=9 m=38 s=7
